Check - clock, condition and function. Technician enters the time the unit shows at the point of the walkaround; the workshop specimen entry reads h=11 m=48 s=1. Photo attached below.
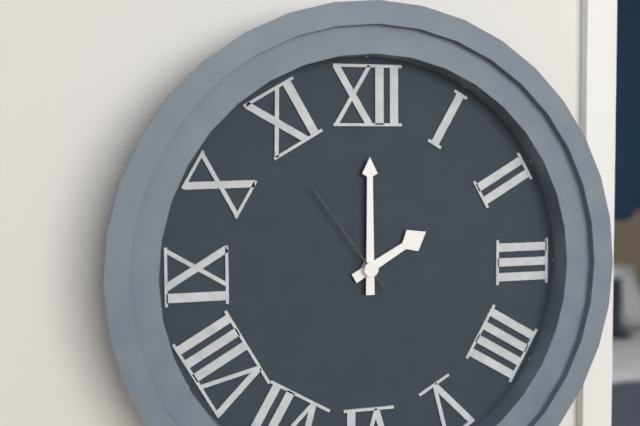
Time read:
h=2 m=0 s=54
